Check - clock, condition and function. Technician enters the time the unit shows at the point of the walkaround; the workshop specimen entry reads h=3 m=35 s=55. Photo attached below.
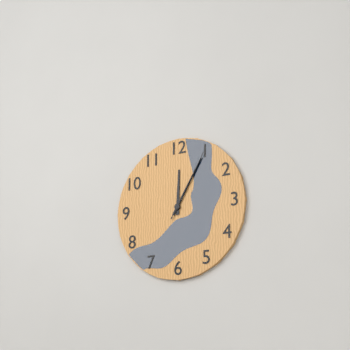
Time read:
h=12 m=5 s=5
